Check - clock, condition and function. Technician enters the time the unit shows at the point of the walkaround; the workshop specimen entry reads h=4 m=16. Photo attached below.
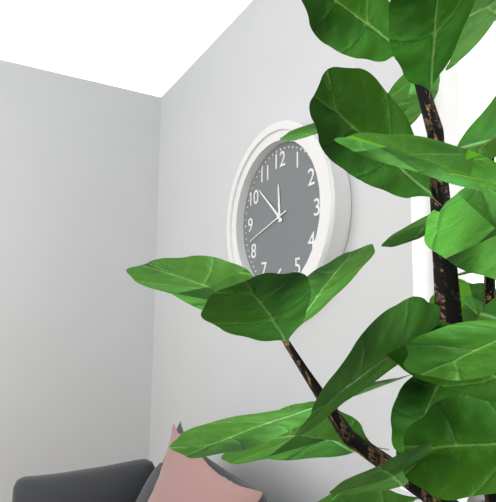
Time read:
h=11 m=52
